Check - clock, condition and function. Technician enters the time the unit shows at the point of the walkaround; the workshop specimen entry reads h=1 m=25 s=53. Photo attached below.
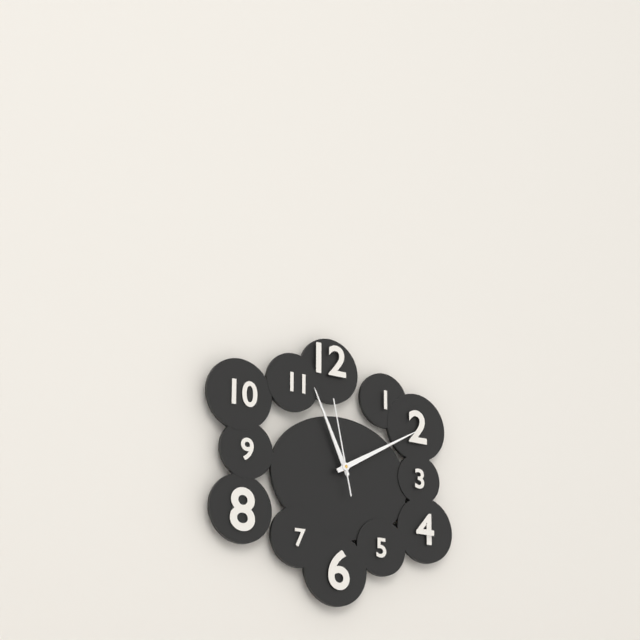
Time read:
h=11 m=10 s=58
